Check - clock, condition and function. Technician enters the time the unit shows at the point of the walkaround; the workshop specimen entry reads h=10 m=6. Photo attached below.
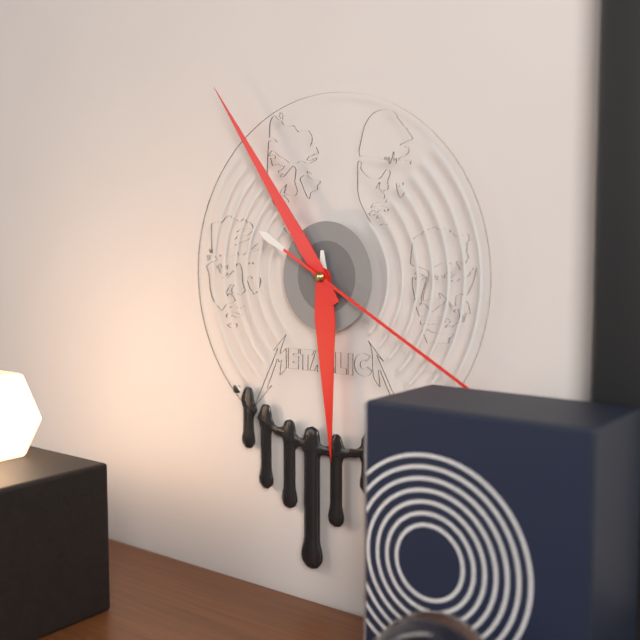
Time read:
h=5 m=54
